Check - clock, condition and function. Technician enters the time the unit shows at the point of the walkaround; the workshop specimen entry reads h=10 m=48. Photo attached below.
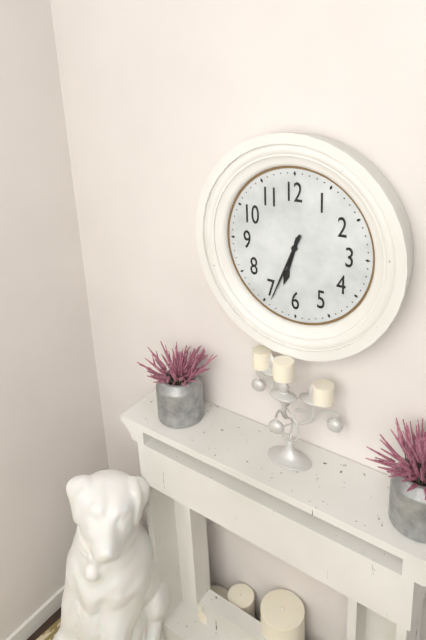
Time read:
h=6 m=34
